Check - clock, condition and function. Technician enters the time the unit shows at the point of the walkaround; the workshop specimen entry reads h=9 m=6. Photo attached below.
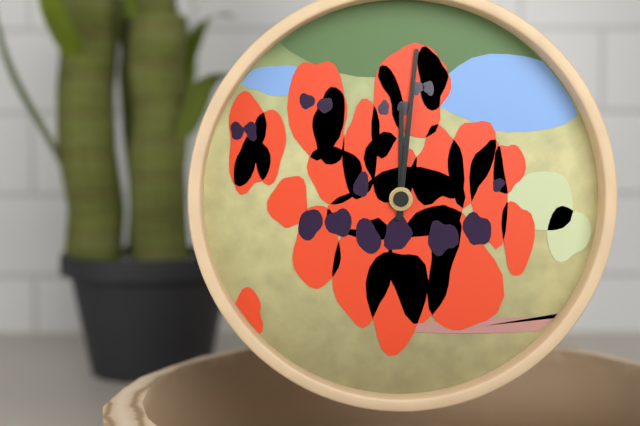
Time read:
h=12 m=1
